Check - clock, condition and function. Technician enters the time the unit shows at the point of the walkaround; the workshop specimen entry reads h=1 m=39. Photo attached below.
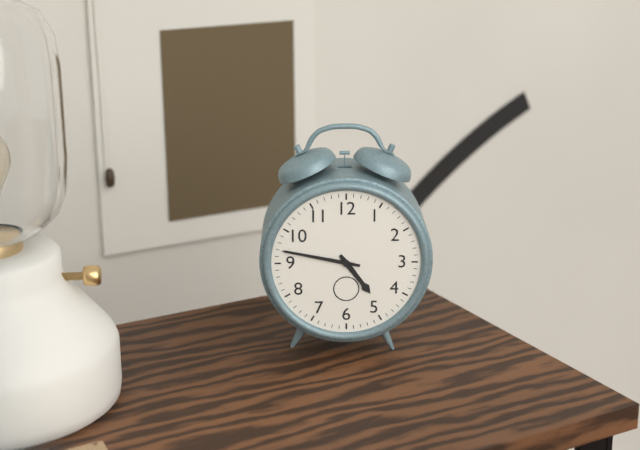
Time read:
h=4 m=47
